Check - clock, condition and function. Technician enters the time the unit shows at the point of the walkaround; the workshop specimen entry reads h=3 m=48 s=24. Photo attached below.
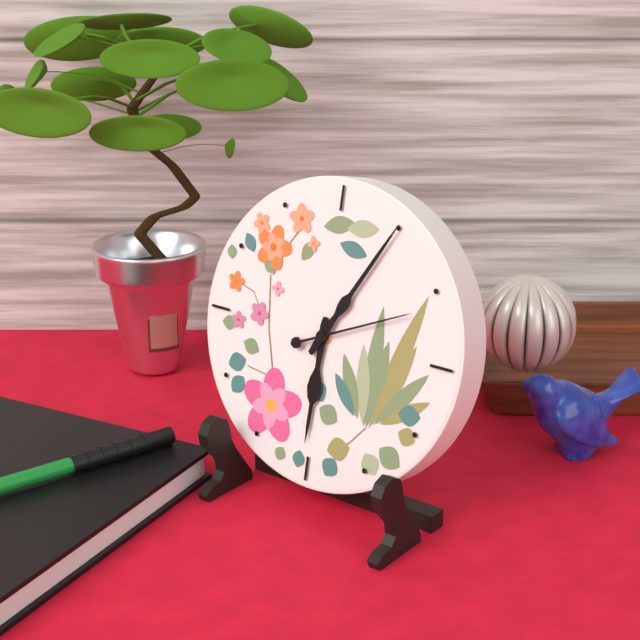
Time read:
h=6 m=5 s=11
